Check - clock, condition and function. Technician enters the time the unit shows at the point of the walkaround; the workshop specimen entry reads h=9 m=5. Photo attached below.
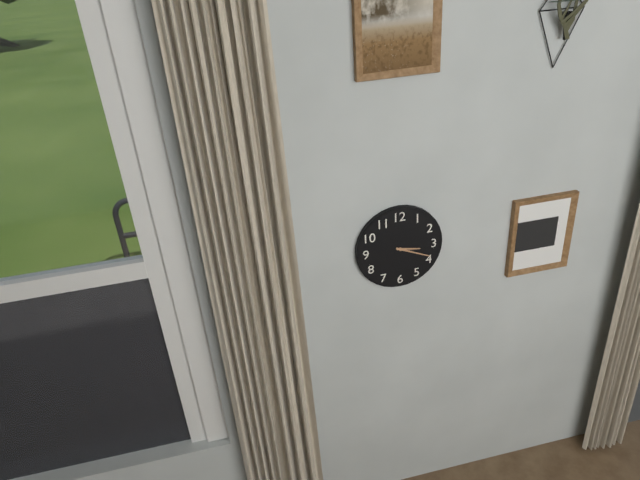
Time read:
h=3 m=19
